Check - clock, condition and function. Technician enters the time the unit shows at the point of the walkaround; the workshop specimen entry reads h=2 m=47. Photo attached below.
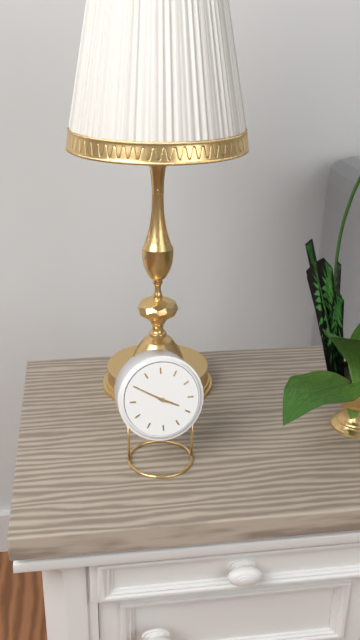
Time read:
h=3 m=50
